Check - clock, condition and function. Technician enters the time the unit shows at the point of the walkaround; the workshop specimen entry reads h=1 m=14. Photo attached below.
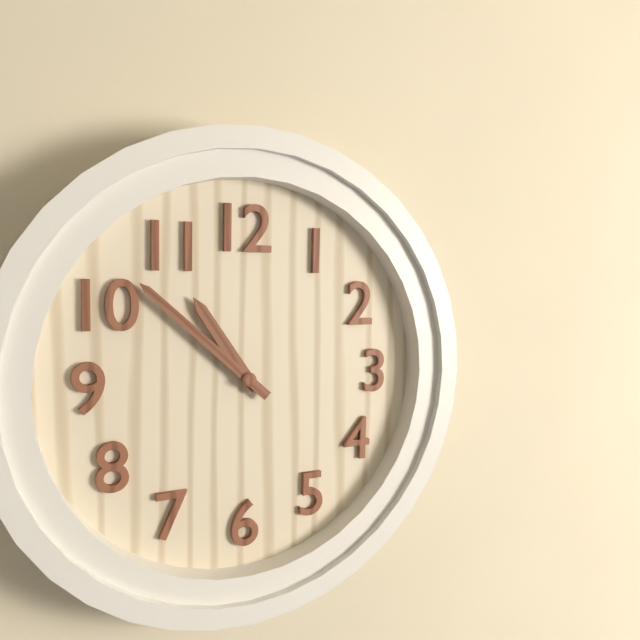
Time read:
h=10 m=52
